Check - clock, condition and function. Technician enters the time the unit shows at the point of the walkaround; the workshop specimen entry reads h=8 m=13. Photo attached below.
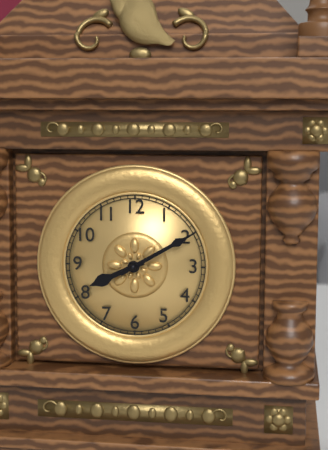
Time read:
h=8 m=10
